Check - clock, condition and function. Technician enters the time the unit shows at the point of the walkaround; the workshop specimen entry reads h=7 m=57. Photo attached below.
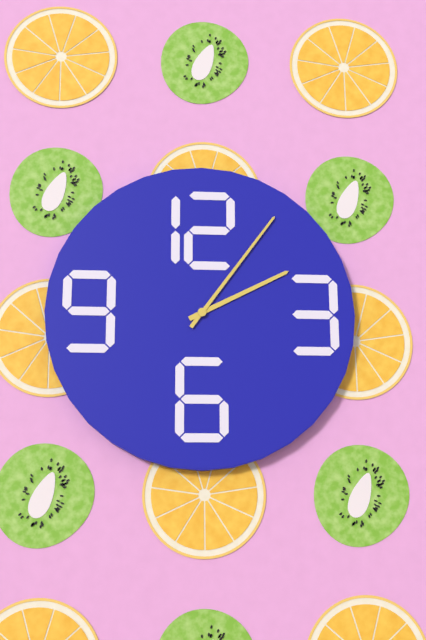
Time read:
h=2 m=6
